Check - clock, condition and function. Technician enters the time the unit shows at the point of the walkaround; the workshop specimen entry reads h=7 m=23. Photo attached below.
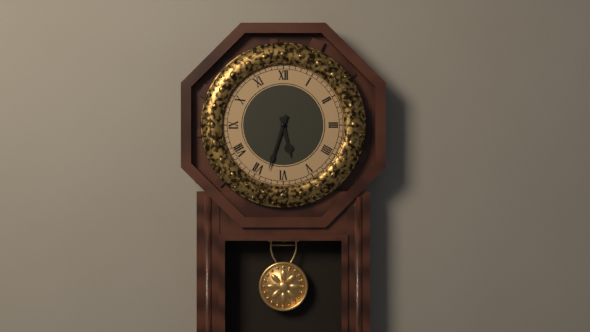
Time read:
h=5 m=33
